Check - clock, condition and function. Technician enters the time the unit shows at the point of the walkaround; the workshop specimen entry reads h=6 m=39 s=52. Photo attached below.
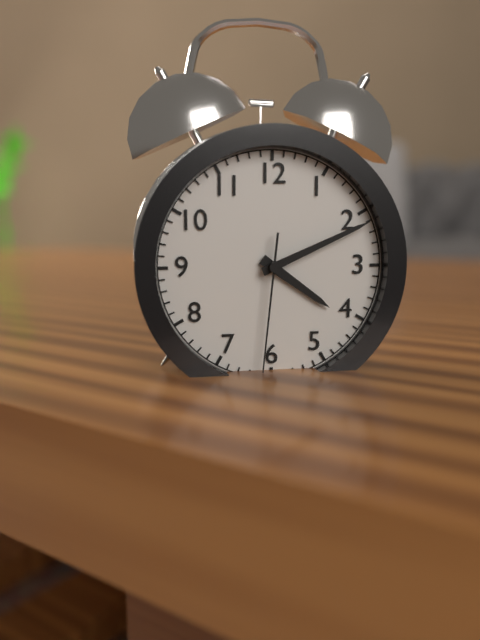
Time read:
h=4 m=11 s=31
